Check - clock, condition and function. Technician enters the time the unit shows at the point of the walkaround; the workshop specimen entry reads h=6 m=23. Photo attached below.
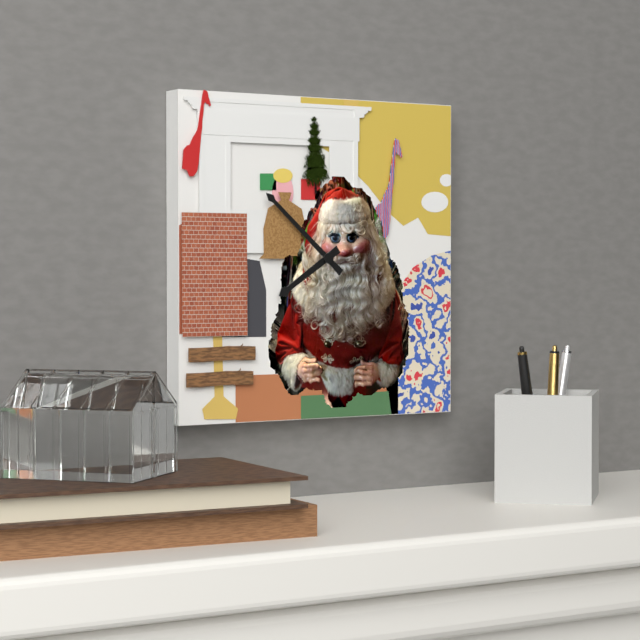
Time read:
h=7 m=52
